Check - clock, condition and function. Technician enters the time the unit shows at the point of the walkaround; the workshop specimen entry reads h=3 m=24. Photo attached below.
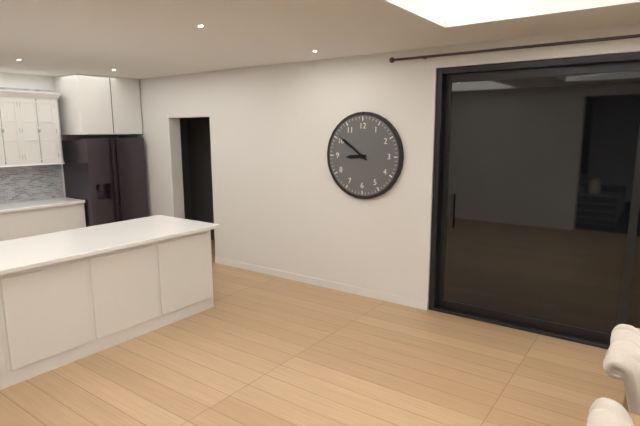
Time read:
h=8 m=51
